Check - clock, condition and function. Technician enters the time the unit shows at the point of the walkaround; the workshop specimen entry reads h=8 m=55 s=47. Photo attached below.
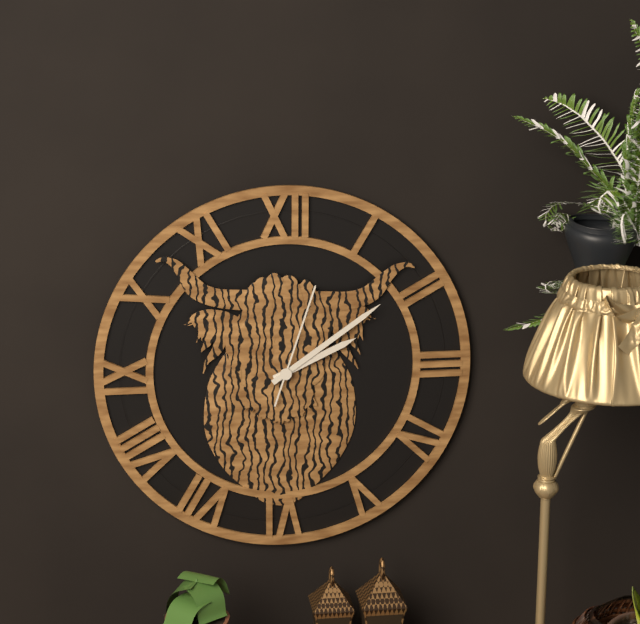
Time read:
h=2 m=9 s=3
